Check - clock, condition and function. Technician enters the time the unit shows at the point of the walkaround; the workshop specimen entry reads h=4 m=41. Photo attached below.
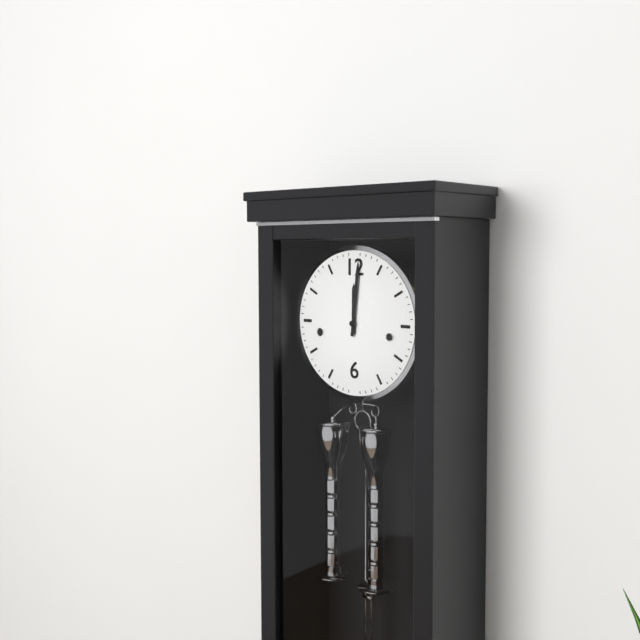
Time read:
h=12 m=1
